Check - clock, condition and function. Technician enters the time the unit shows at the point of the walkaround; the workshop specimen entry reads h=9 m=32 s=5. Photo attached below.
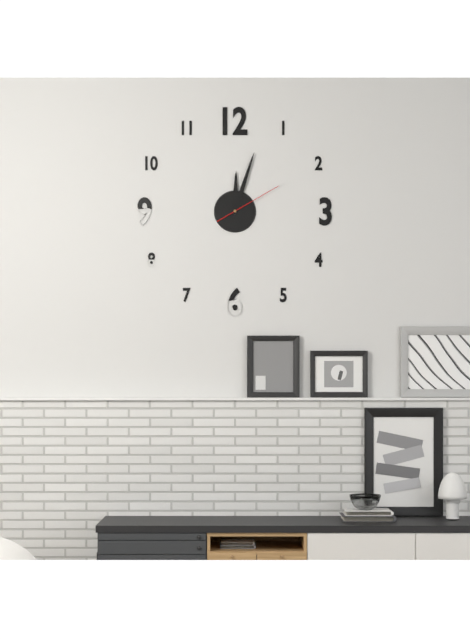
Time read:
h=12 m=3 s=10
